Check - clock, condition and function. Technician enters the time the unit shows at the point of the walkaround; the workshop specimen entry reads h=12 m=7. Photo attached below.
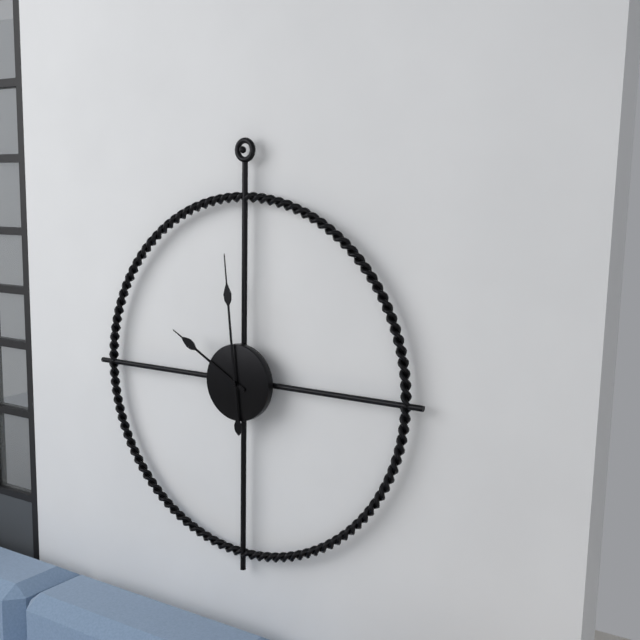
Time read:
h=9 m=59
